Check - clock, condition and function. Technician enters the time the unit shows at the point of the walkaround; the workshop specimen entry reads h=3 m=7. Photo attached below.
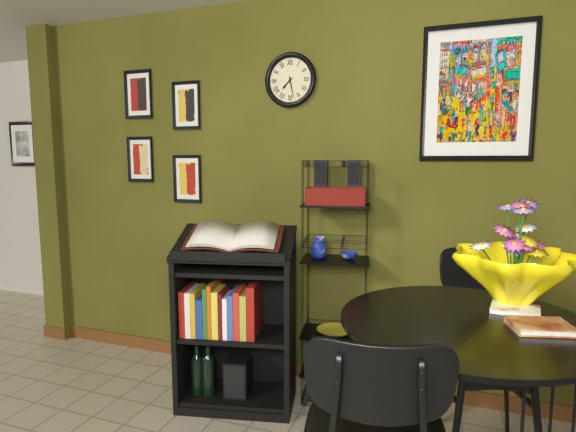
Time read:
h=7 m=28
